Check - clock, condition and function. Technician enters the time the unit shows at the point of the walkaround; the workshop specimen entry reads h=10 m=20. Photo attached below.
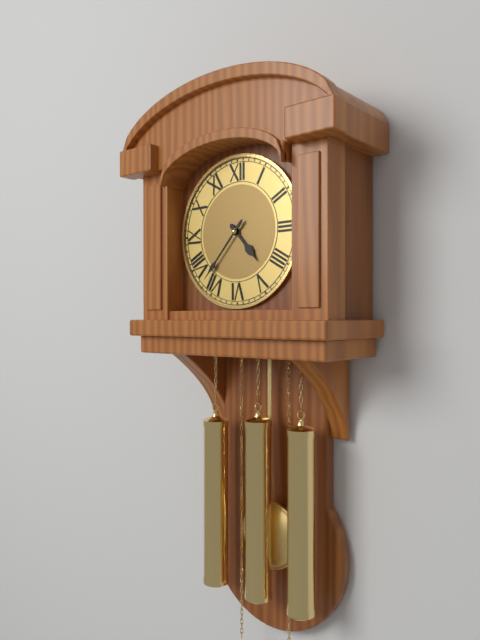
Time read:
h=4 m=37
